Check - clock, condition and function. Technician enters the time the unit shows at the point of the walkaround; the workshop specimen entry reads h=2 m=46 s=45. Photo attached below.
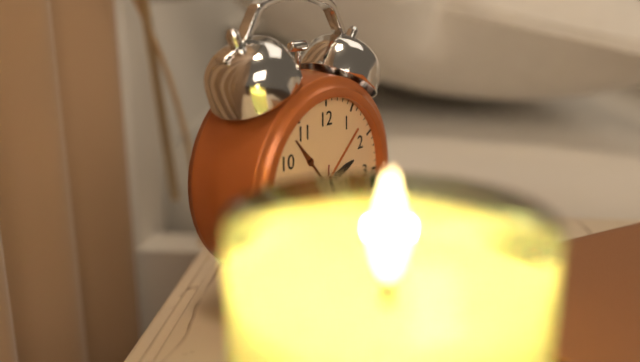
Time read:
h=2 m=20 s=31
